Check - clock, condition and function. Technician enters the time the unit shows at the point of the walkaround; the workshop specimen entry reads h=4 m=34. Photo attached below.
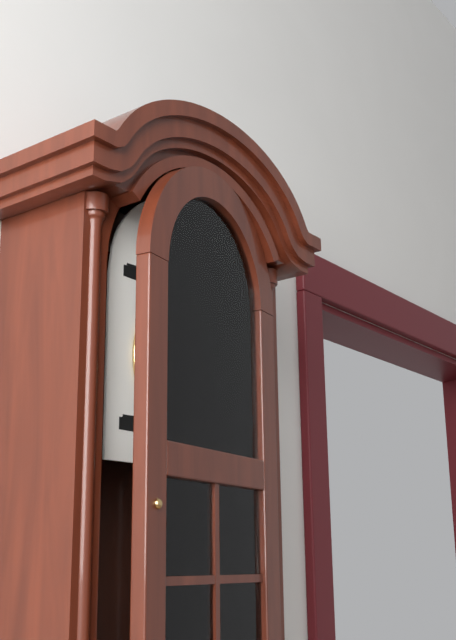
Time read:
h=5 m=5
